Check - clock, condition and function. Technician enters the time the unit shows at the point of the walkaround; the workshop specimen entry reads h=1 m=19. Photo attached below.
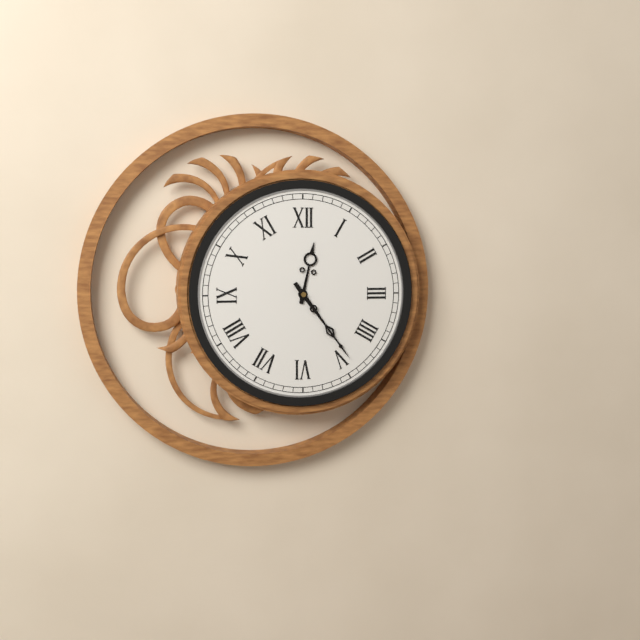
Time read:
h=12 m=24
